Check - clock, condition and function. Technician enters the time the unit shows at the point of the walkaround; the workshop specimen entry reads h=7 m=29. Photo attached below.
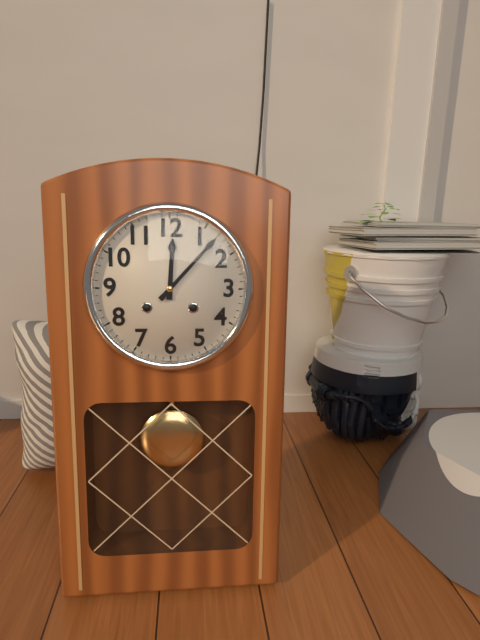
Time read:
h=12 m=7
